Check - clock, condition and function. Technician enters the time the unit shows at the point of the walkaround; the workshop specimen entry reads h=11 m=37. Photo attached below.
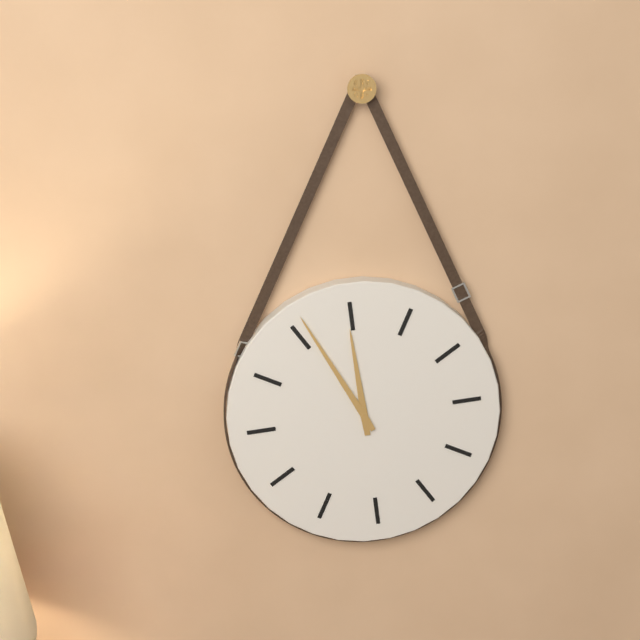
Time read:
h=11 m=56
